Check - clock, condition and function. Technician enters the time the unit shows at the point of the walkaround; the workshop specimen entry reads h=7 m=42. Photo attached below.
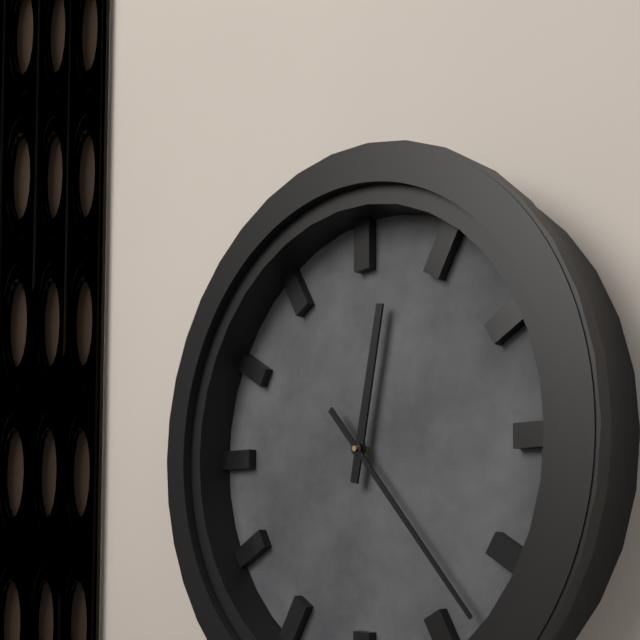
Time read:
h=12 m=23
